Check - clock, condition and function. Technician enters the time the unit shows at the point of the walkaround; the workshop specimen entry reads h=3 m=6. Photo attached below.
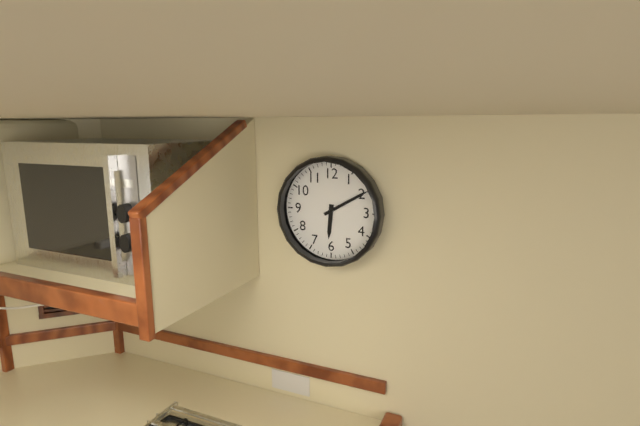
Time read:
h=6 m=10
